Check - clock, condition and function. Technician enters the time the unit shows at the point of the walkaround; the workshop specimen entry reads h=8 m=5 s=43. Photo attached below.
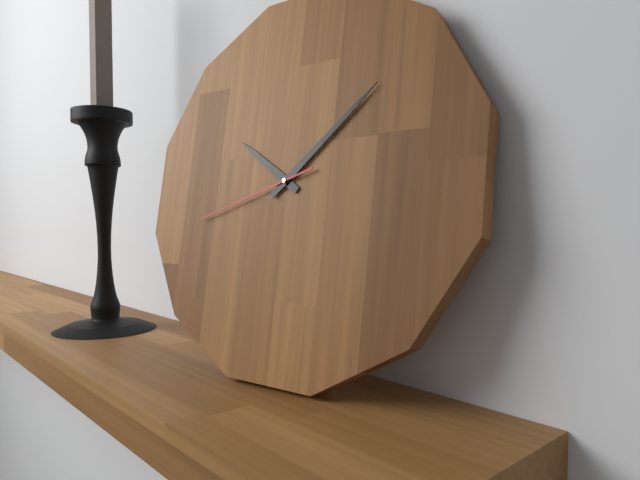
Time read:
h=10 m=8 s=42
